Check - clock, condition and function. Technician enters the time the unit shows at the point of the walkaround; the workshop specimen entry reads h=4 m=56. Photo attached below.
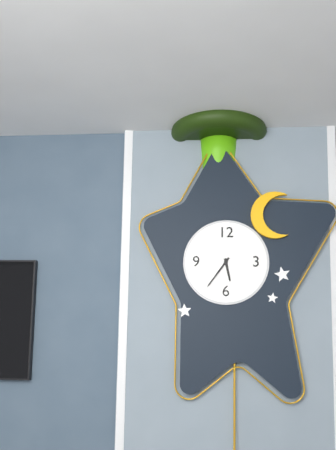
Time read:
h=5 m=36
